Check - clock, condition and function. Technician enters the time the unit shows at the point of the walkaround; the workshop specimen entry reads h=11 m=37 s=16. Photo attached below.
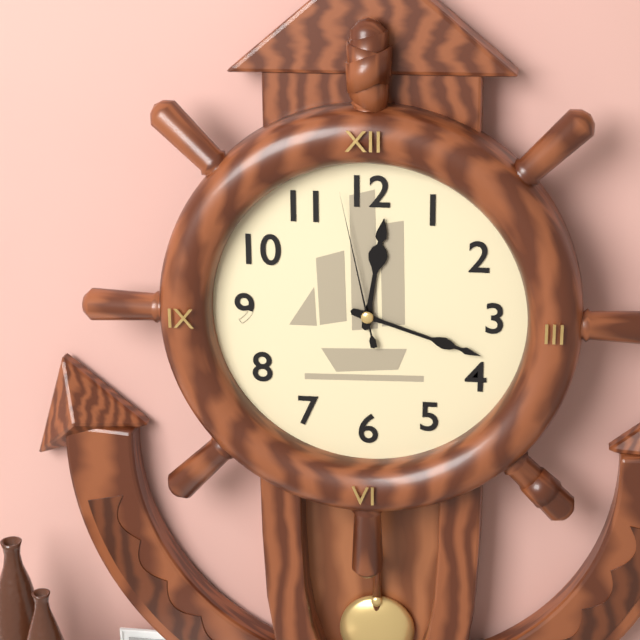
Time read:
h=12 m=18 s=58
